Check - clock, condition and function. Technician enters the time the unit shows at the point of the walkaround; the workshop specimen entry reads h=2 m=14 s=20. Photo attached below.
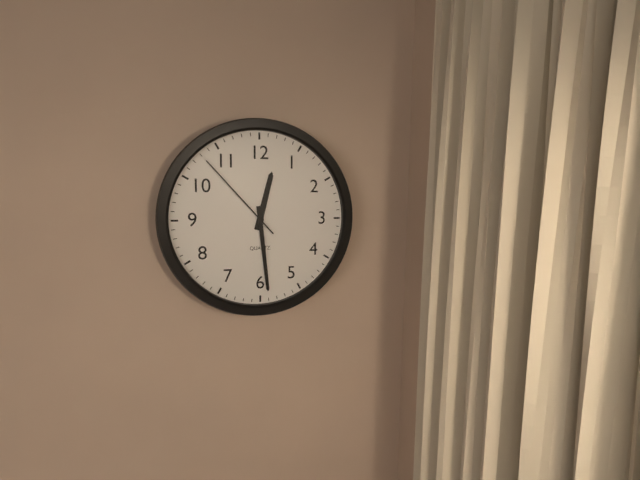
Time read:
h=12 m=29 s=53
